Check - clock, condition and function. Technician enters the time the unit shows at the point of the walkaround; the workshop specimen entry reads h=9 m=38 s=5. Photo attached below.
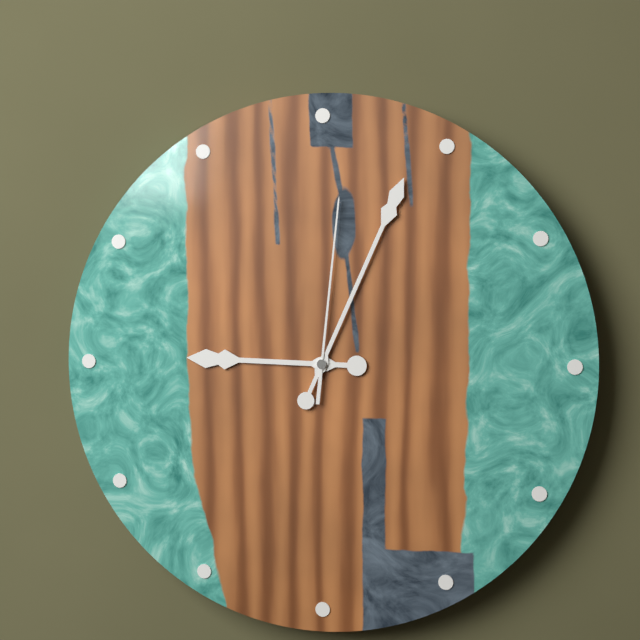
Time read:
h=9 m=4 s=1
